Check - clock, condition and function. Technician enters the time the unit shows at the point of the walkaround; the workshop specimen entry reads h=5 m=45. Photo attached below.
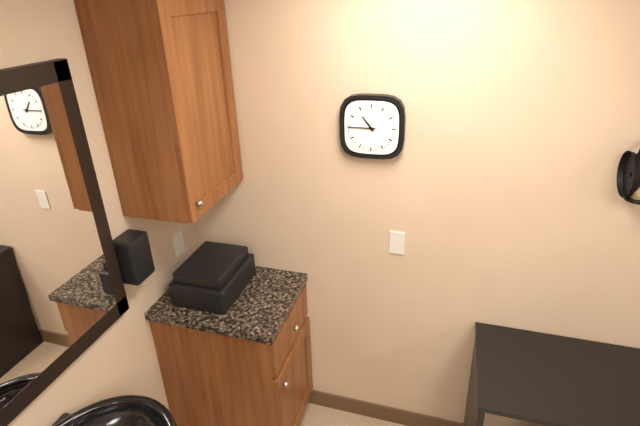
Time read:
h=10 m=45
